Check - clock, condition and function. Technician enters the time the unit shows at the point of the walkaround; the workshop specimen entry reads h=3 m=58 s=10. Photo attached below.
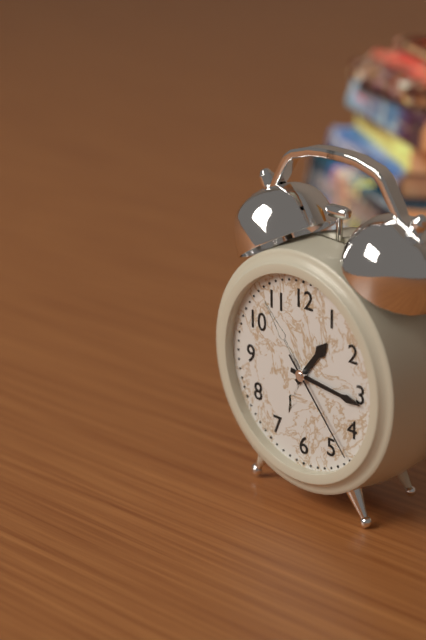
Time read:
h=1 m=16 s=23
